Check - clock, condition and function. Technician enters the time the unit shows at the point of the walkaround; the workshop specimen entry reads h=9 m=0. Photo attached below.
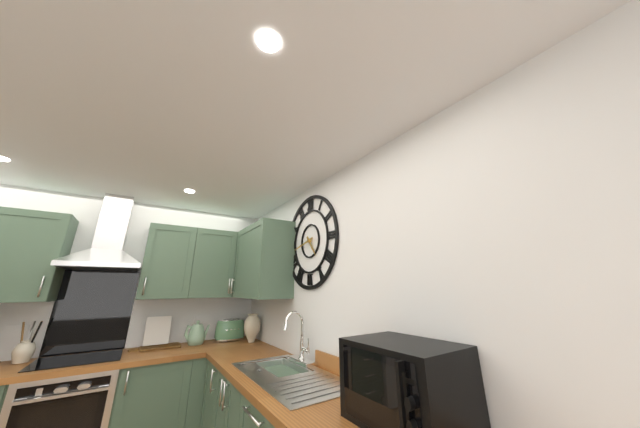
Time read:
h=4 m=43
